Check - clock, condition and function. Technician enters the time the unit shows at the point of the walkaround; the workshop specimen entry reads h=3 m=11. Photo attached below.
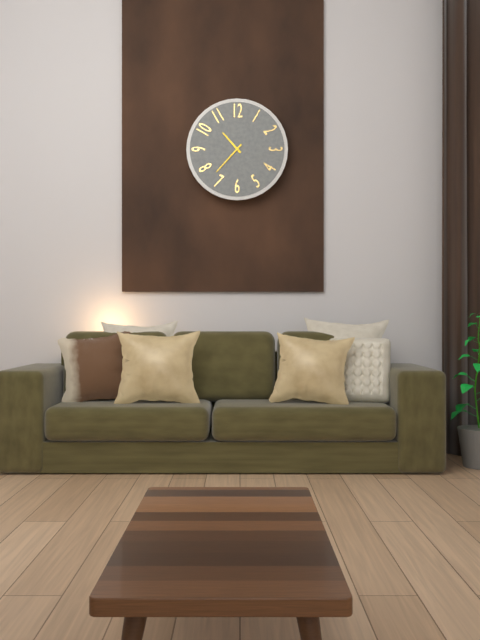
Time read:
h=10 m=37
